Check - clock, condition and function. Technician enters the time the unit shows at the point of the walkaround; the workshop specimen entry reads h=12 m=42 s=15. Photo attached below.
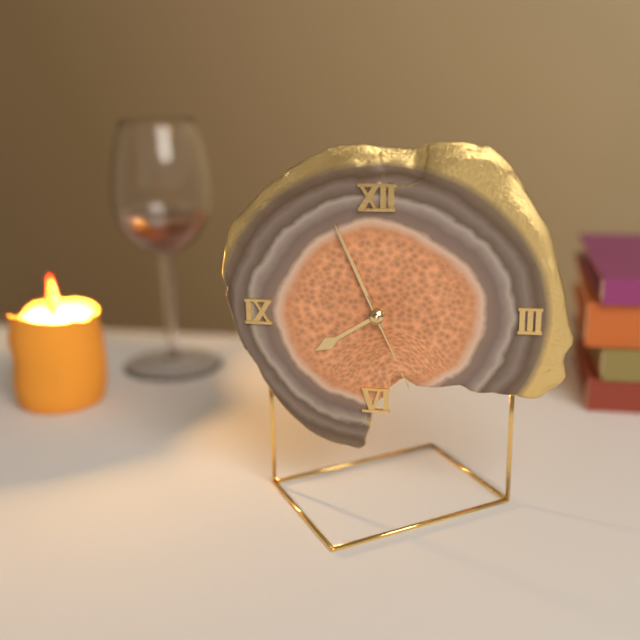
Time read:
h=7 m=56 s=26
